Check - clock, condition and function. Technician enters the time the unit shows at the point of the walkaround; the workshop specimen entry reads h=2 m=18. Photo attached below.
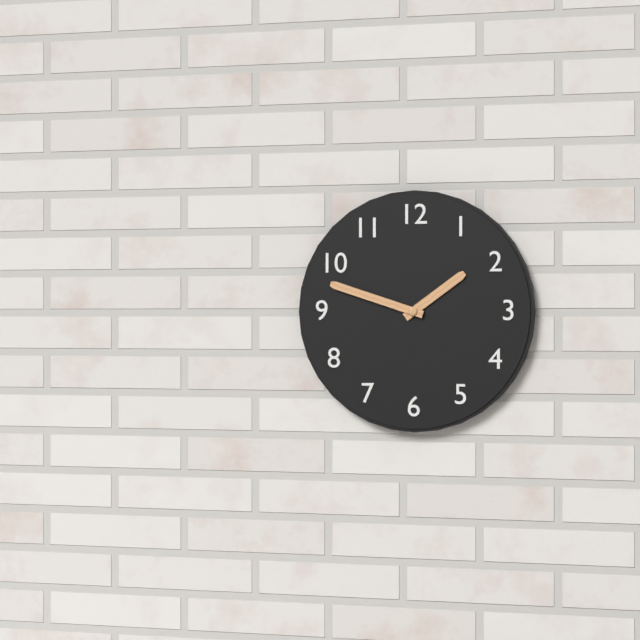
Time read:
h=1 m=48
